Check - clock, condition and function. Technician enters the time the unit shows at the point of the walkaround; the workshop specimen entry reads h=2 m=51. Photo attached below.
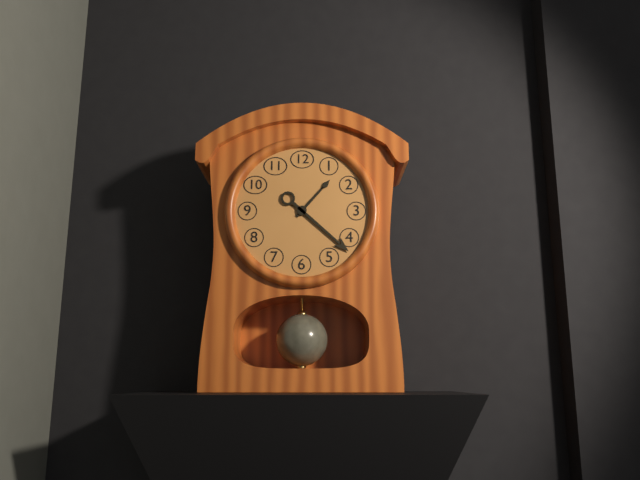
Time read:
h=1 m=22
